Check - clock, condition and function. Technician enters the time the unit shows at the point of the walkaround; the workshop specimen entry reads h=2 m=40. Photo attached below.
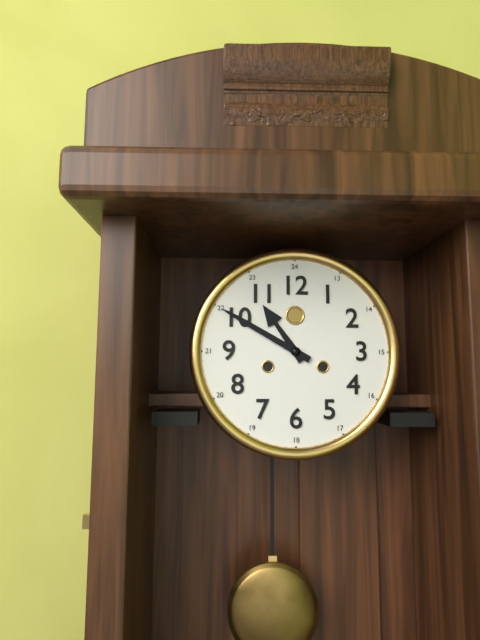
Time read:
h=10 m=50
